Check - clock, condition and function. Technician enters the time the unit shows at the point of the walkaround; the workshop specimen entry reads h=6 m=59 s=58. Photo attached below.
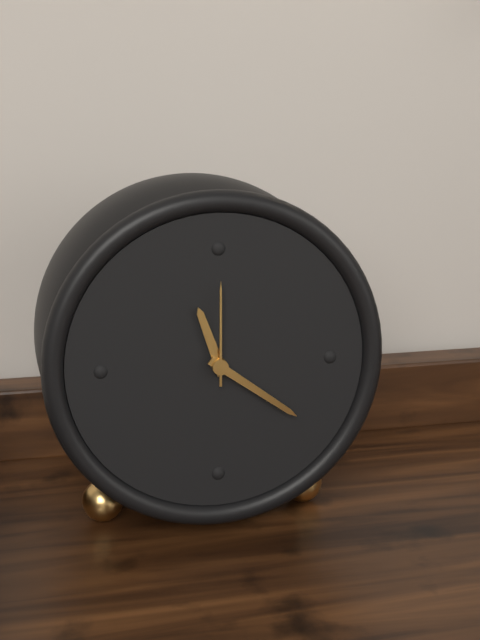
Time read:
h=11 m=21 s=0
